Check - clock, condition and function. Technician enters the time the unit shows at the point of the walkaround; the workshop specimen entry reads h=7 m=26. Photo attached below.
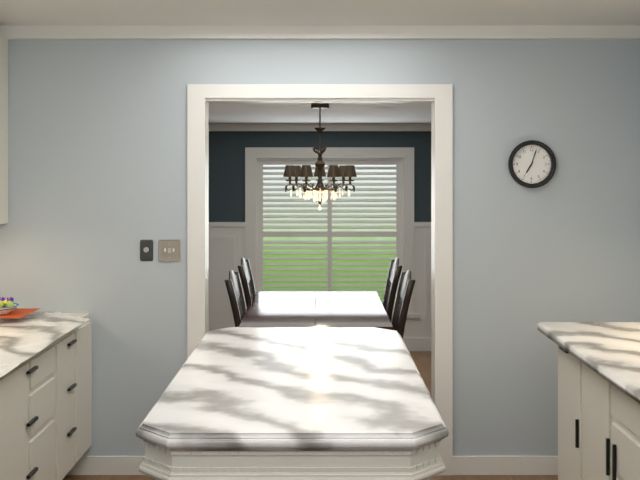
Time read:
h=7 m=3
